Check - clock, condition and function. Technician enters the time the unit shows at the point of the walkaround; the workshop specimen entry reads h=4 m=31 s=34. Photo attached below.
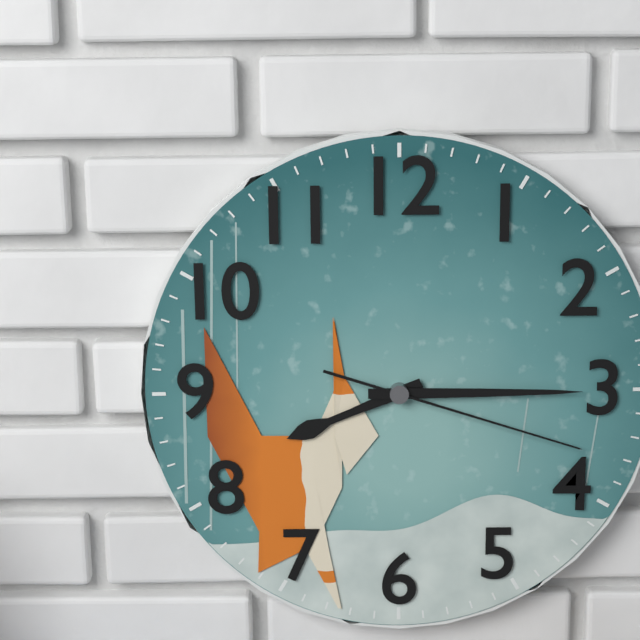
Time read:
h=8 m=15 s=18
